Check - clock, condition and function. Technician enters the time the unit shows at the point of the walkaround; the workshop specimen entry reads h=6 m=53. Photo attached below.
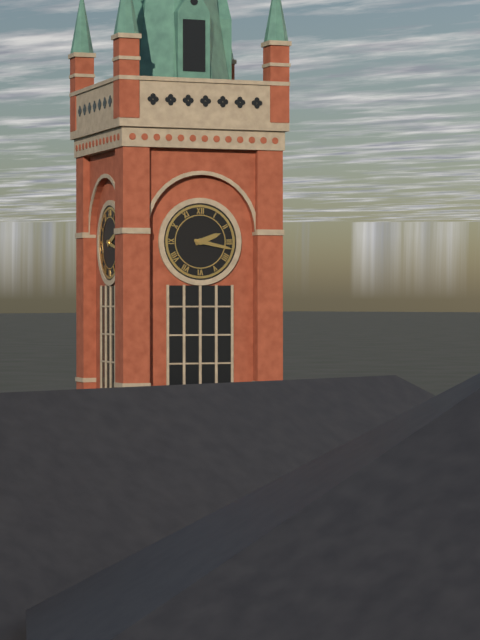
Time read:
h=2 m=17
